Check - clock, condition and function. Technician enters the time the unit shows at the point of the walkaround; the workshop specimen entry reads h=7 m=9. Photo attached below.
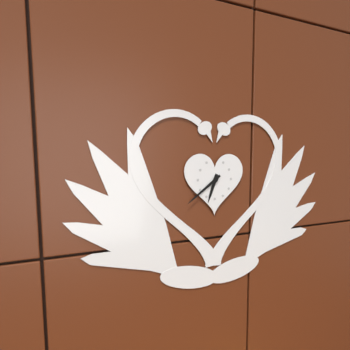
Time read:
h=6 m=39
